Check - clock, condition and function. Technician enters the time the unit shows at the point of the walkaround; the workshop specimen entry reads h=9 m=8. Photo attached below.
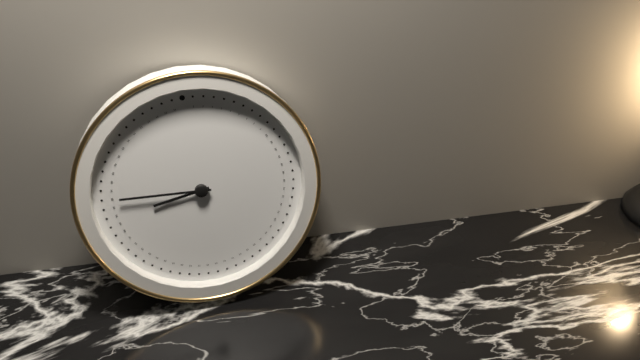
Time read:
h=8 m=46
